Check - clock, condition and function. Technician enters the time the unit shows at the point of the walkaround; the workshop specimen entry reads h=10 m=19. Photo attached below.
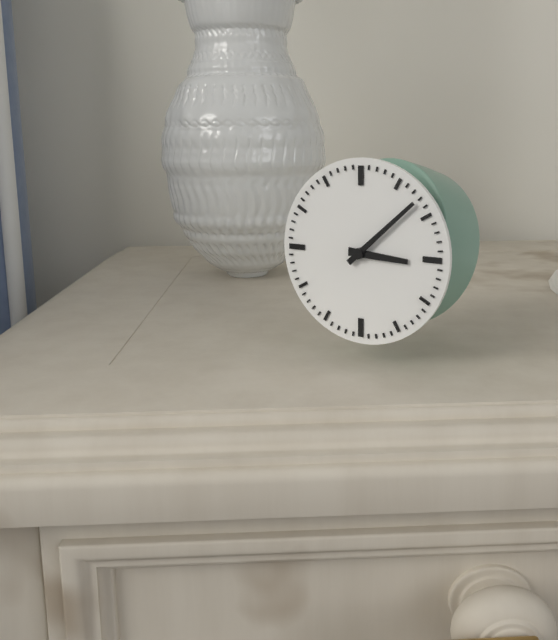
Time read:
h=3 m=8
